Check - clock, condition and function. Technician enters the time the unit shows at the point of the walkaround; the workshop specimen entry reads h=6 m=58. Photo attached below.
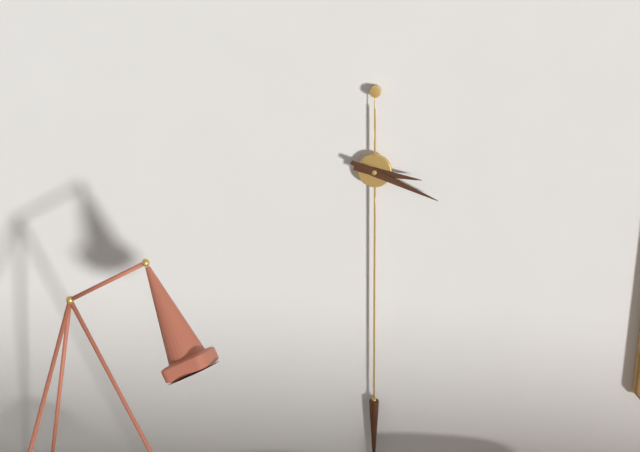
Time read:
h=3 m=19
